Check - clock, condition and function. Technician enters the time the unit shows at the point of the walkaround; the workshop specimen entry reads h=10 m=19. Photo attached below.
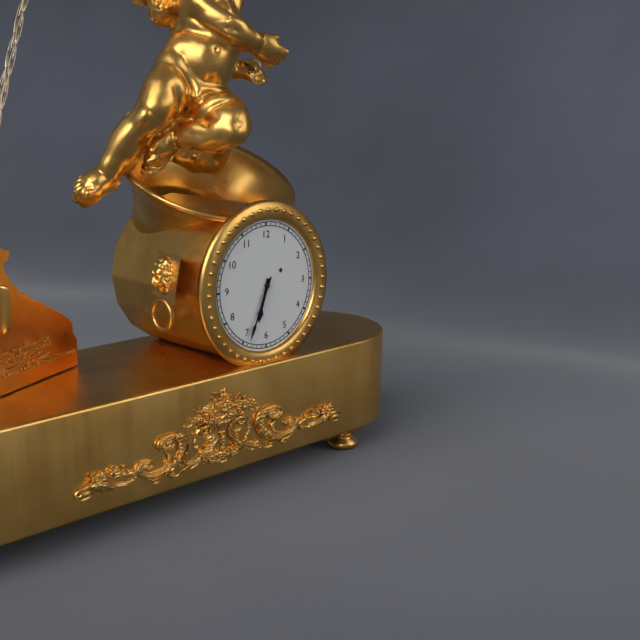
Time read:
h=6 m=34
